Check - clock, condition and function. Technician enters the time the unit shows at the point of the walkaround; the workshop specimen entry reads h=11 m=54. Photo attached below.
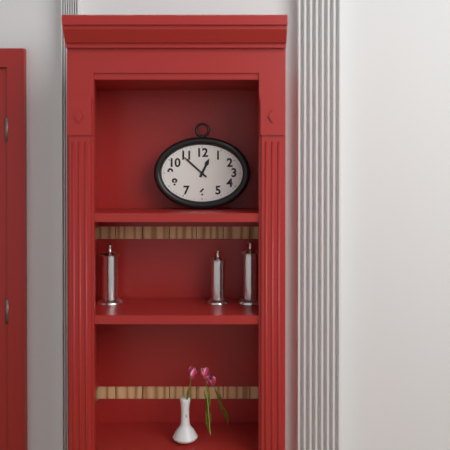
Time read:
h=12 m=52
